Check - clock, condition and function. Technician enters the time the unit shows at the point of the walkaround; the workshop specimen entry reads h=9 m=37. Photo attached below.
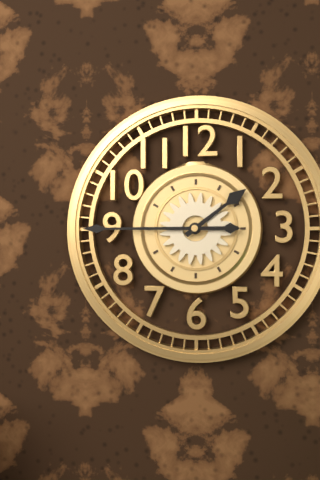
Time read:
h=1 m=45
